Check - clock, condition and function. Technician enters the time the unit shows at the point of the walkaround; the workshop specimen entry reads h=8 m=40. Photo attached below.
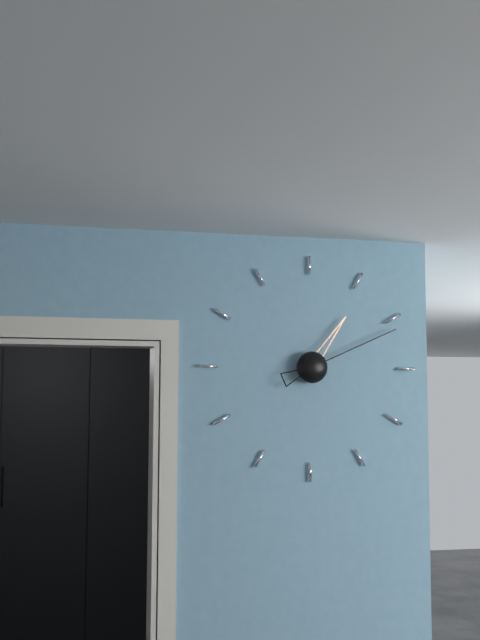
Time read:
h=1 m=11
